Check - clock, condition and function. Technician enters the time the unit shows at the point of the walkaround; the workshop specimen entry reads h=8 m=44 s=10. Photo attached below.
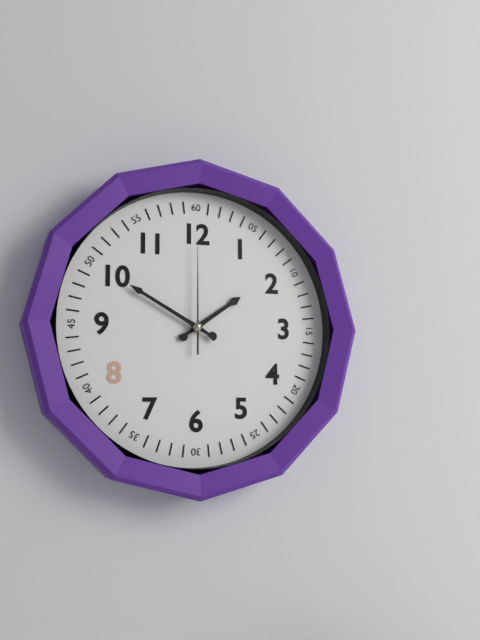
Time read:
h=1 m=50 s=0
